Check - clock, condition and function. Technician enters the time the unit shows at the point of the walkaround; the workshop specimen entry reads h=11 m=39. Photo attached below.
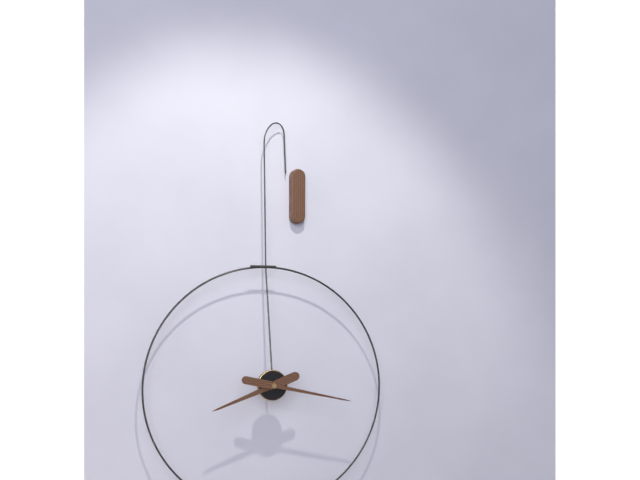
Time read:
h=8 m=17
